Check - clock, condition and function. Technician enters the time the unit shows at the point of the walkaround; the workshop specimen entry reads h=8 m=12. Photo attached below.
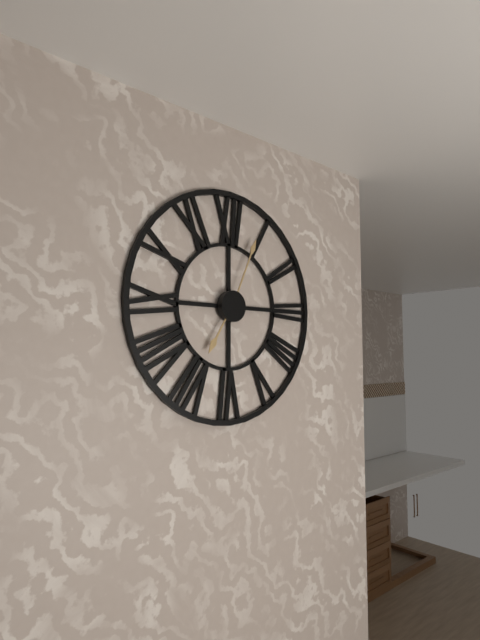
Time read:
h=7 m=4
